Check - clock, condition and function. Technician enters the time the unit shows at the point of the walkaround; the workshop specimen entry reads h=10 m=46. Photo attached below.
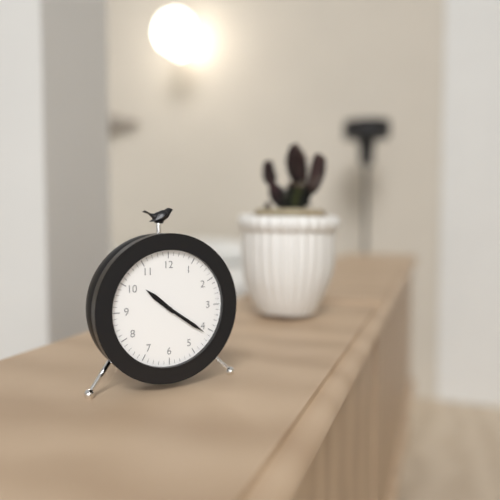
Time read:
h=10 m=21
